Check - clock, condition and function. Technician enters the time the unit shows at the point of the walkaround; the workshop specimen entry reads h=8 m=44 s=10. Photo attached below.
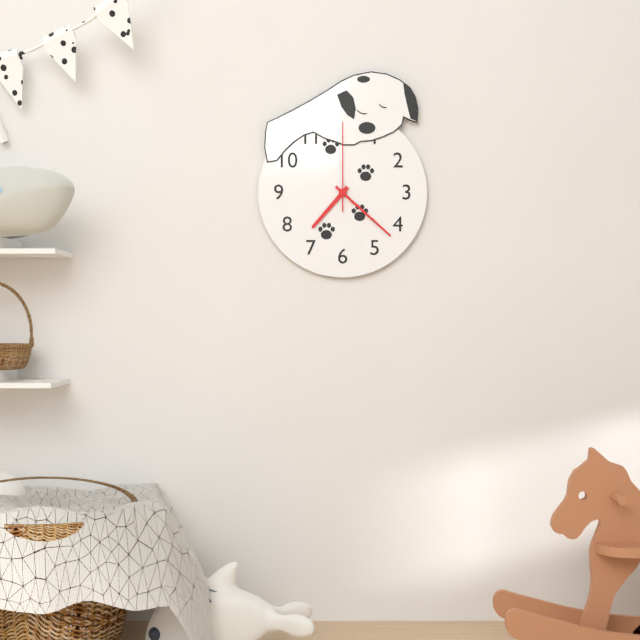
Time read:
h=7 m=22 s=0
